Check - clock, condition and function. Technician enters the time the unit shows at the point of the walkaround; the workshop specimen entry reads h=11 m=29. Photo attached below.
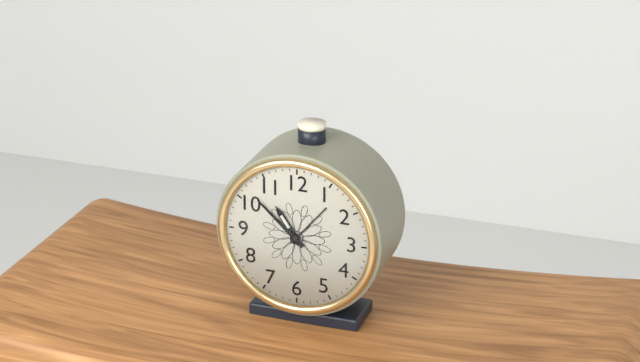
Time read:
h=10 m=52
